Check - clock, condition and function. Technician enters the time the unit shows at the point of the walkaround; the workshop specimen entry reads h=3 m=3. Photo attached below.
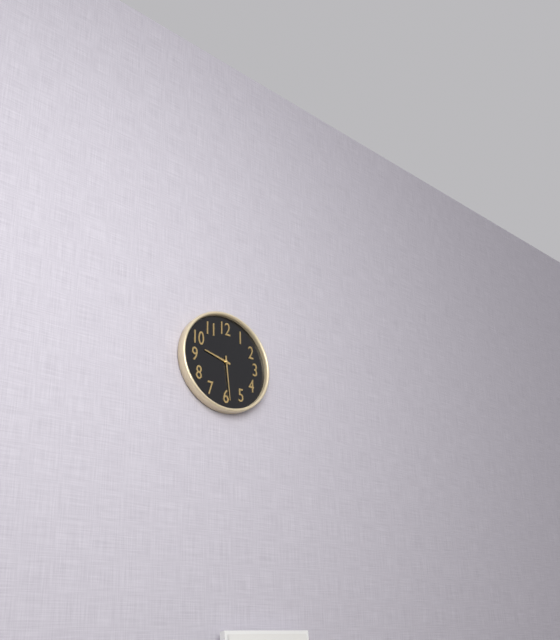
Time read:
h=9 m=29
